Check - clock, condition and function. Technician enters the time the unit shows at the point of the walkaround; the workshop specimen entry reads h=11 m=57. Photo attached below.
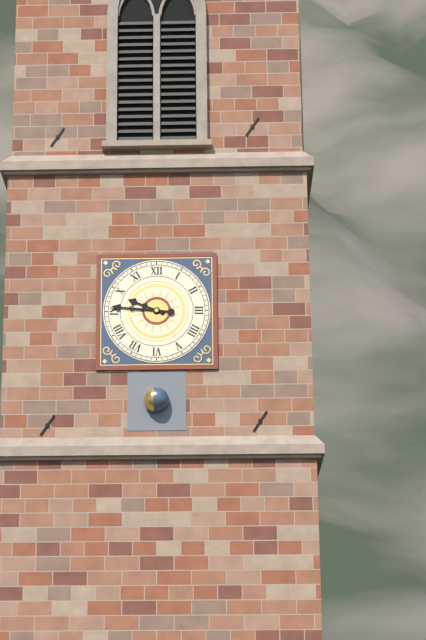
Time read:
h=9 m=46
